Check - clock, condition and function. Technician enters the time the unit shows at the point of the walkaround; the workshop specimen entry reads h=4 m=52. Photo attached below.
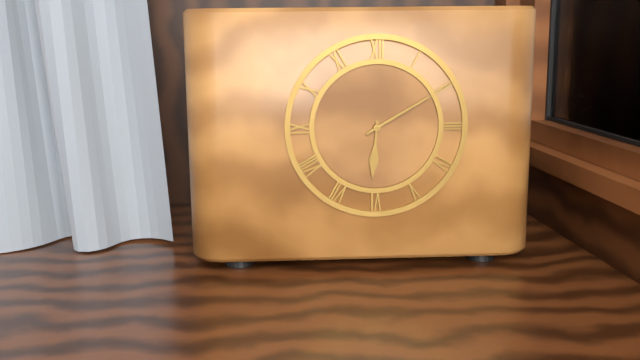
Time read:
h=6 m=10
